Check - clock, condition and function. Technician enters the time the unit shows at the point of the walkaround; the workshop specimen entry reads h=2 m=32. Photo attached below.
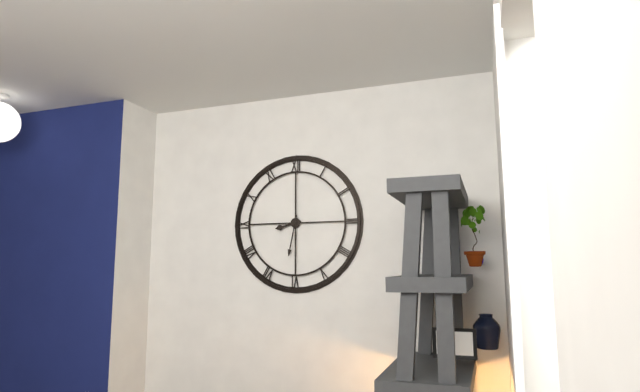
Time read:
h=8 m=32
